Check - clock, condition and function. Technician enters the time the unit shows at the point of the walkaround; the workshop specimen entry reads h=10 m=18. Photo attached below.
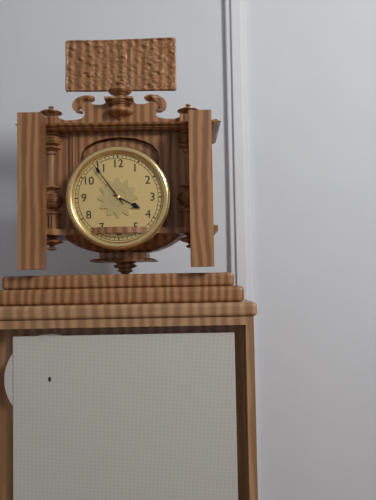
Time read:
h=3 m=54
